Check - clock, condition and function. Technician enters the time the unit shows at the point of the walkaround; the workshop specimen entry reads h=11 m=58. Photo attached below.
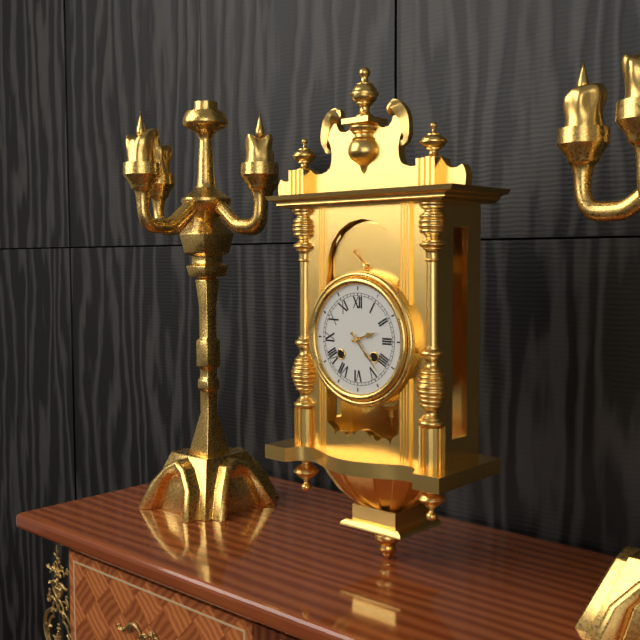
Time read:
h=2 m=23
